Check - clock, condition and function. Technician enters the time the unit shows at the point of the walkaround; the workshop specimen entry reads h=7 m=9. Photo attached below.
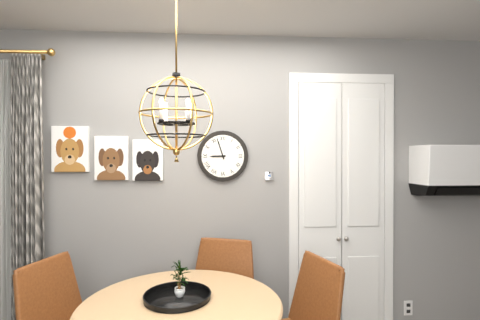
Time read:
h=8 m=57
